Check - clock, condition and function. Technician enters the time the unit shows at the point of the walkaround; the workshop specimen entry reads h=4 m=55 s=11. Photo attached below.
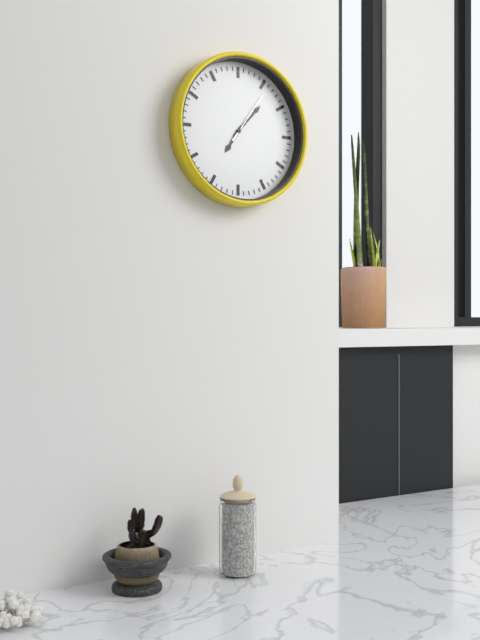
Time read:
h=7 m=7 s=6
